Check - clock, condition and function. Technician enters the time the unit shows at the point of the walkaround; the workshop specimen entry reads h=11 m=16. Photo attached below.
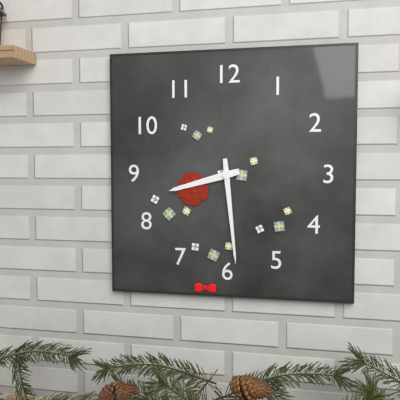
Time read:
h=8 m=29
